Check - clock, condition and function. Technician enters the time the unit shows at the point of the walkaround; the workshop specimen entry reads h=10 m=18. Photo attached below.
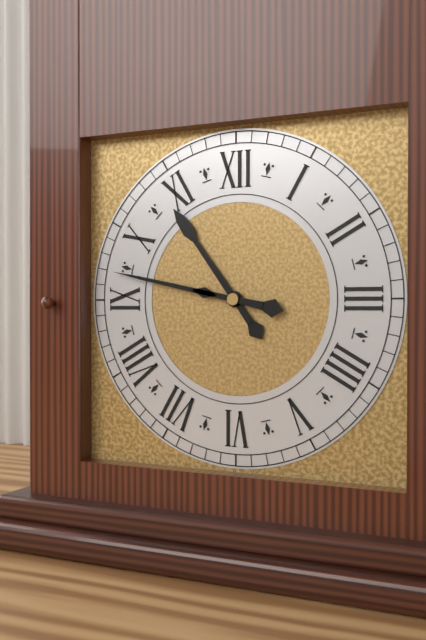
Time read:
h=10 m=47
